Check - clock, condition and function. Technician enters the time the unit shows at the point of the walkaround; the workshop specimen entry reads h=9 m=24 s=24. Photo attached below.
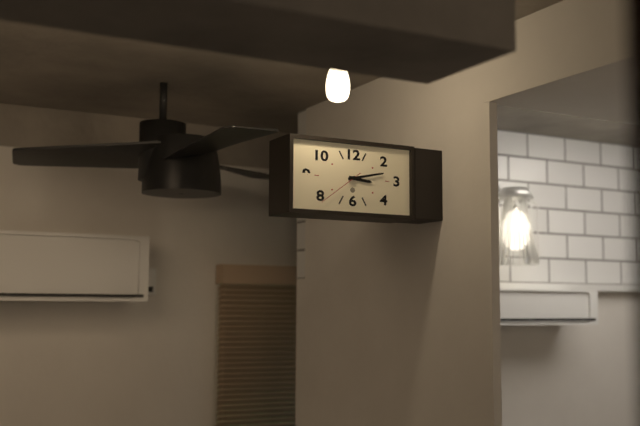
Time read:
h=3 m=13 s=39
